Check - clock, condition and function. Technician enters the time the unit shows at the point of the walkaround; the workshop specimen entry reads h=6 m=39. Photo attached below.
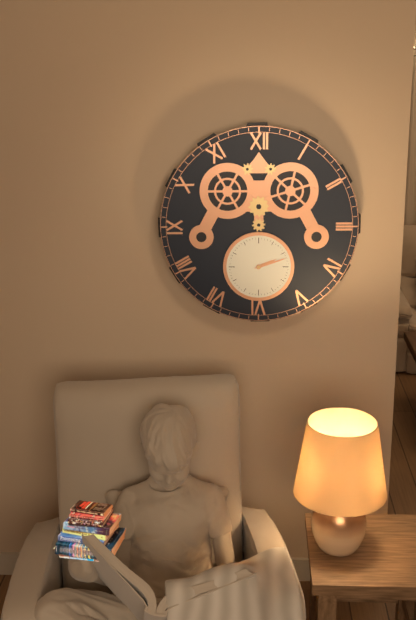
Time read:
h=2 m=12
